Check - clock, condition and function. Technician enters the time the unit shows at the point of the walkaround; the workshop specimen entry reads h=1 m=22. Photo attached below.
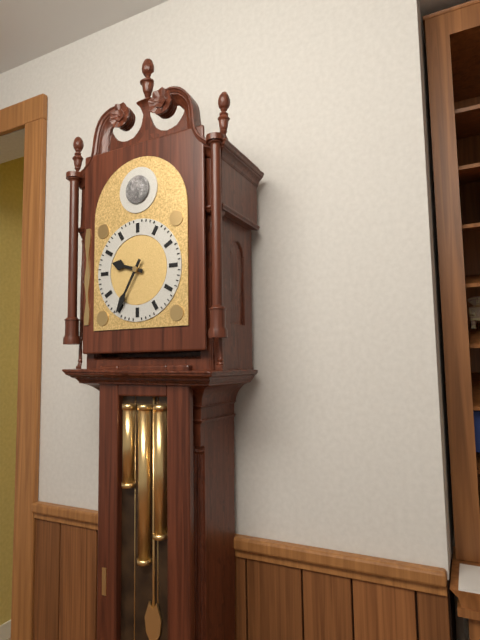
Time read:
h=9 m=35
